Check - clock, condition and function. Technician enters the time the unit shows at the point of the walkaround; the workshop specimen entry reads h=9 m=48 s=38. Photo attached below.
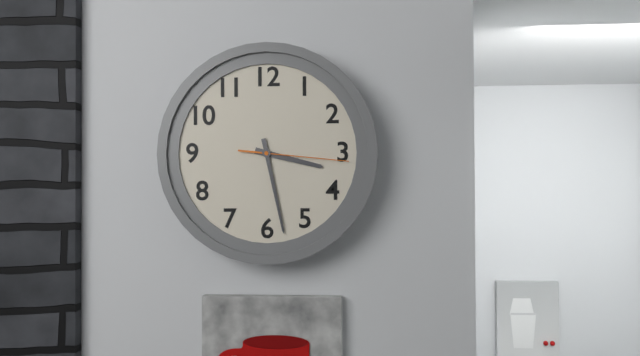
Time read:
h=3 m=28 s=16
